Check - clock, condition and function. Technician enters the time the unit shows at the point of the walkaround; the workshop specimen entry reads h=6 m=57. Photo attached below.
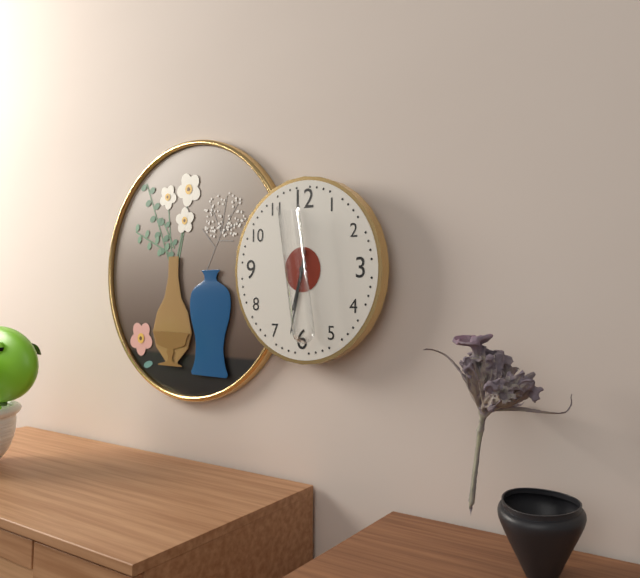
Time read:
h=6 m=32
